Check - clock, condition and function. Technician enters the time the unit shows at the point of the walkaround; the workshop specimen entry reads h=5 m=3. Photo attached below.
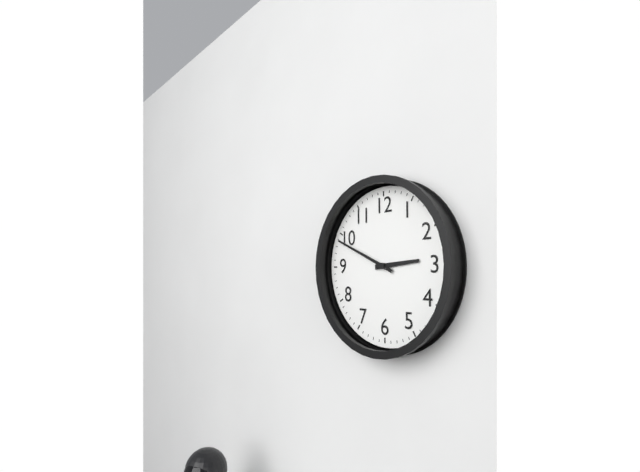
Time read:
h=2 m=49
